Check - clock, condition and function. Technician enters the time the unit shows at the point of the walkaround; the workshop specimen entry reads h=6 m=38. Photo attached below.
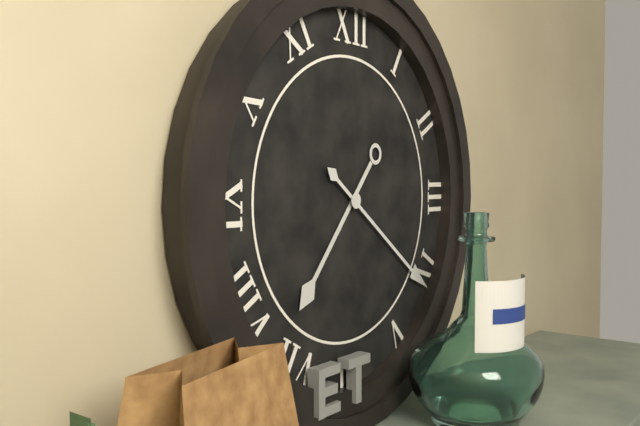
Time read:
h=7 m=21
